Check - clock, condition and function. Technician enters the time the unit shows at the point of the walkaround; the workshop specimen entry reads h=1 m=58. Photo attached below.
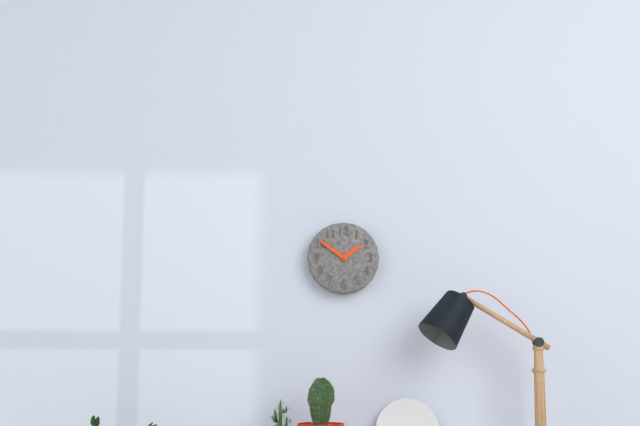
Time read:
h=1 m=51
